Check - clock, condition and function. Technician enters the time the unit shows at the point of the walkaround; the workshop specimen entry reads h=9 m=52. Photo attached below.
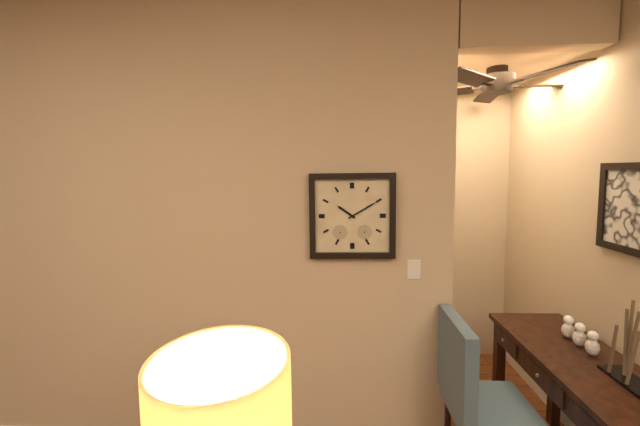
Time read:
h=10 m=10
